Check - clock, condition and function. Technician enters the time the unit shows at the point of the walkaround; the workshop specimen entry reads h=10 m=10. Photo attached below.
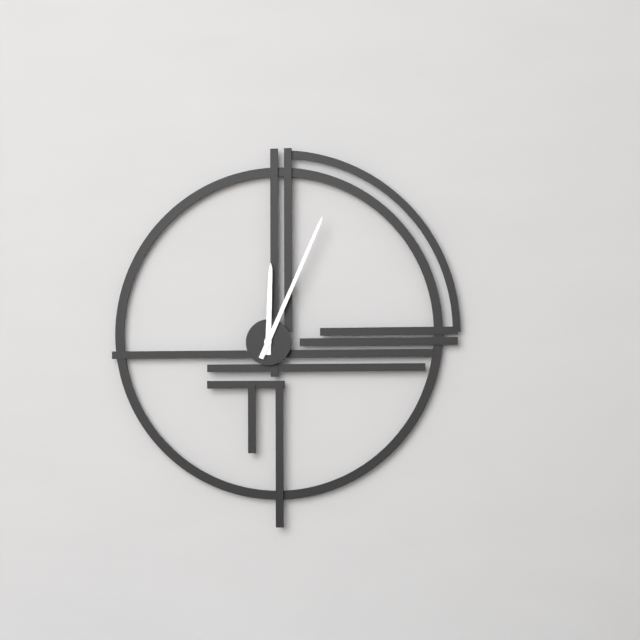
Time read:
h=12 m=4
